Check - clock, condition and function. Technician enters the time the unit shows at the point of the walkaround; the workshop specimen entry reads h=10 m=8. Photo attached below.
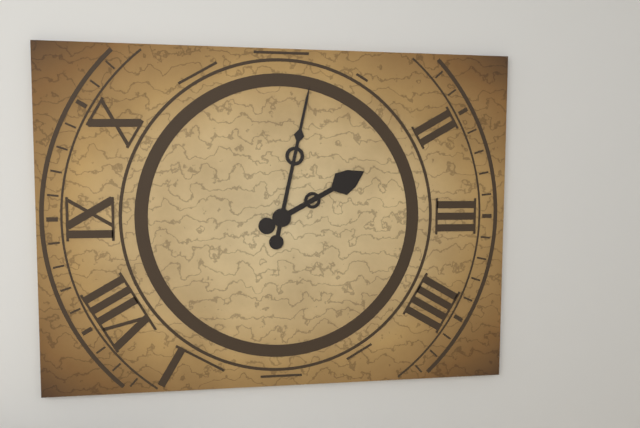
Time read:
h=2 m=2
